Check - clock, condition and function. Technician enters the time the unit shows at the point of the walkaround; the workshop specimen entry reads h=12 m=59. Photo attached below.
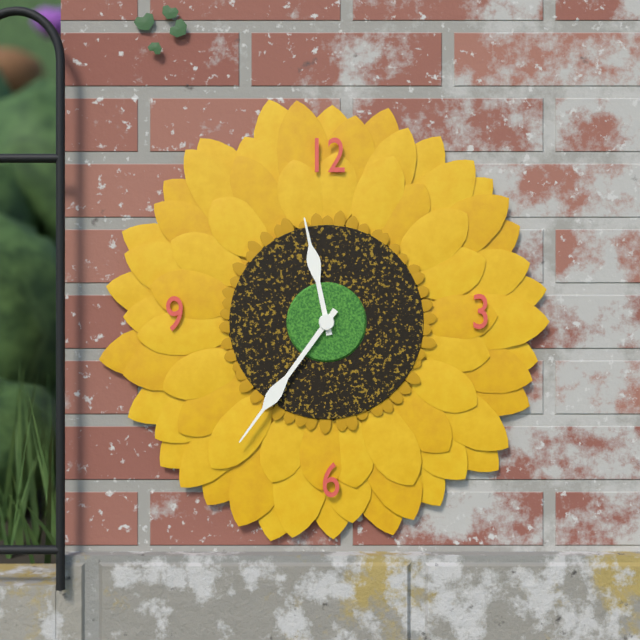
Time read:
h=11 m=36
